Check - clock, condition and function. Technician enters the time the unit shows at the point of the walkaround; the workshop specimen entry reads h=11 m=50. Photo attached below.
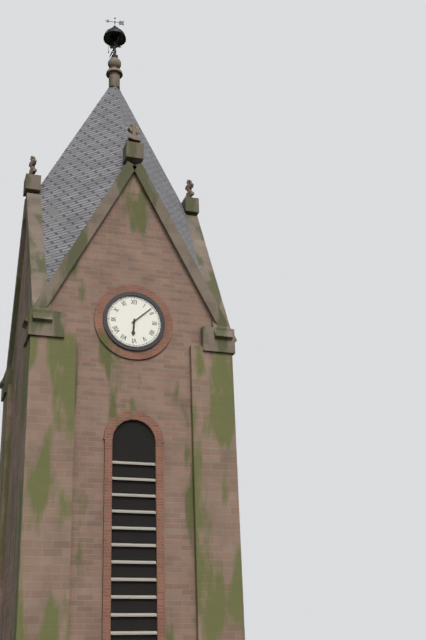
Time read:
h=6 m=8
